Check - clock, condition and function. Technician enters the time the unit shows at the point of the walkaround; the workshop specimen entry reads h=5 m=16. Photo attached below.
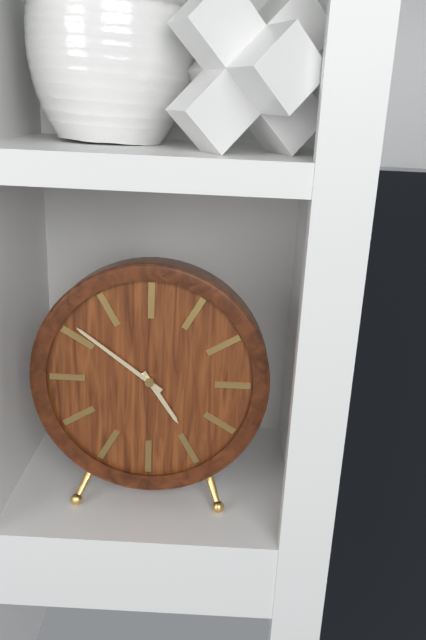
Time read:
h=4 m=51
